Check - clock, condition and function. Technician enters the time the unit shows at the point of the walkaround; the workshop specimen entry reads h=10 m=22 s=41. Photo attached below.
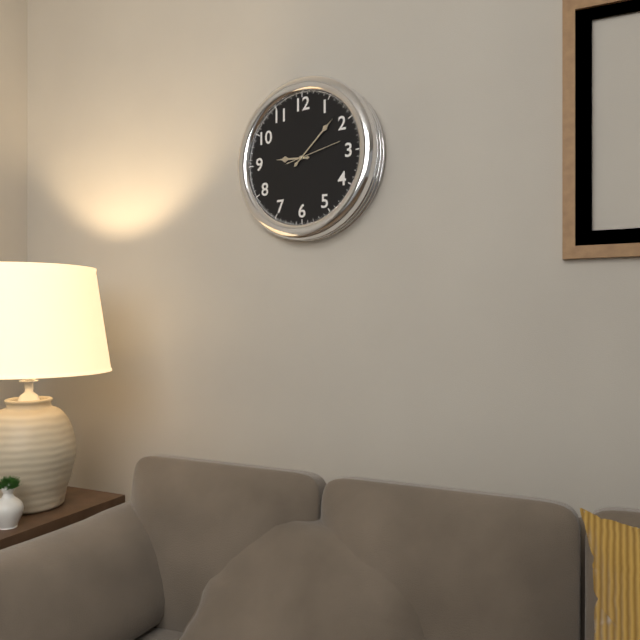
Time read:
h=9 m=8 s=13
